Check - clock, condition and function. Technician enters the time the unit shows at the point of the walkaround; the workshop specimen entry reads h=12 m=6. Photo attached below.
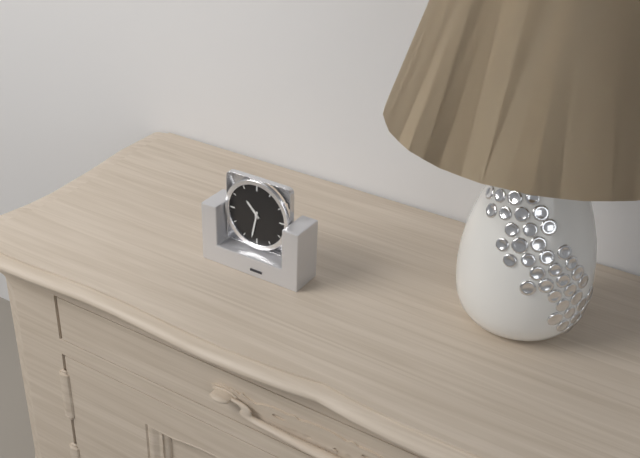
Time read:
h=10 m=32
